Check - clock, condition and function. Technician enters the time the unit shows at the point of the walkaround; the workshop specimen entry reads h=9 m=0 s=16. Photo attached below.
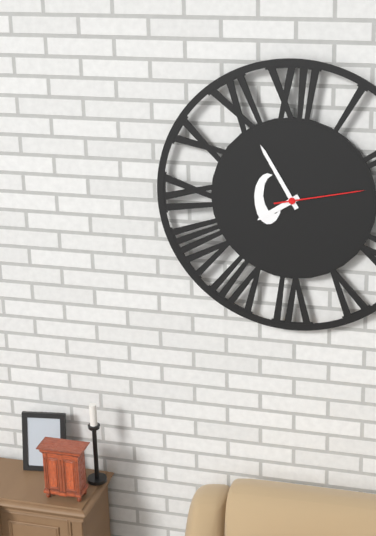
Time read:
h=7 m=55 s=13
